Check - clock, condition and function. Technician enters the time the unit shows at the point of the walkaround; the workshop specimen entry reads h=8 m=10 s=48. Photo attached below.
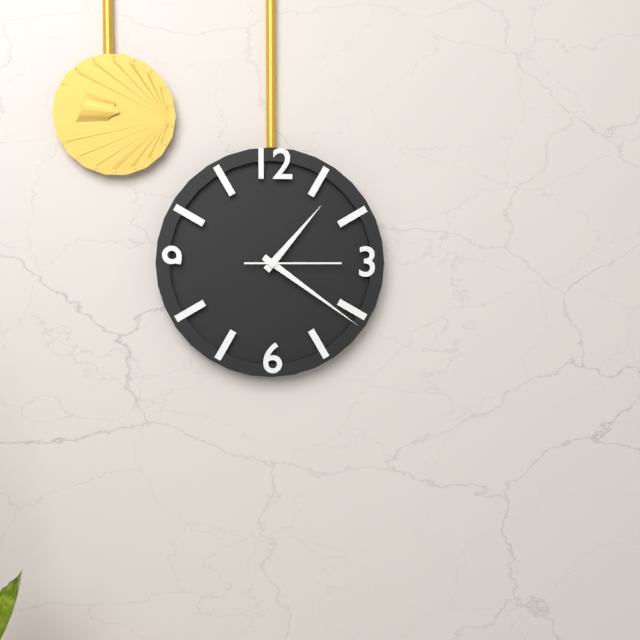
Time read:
h=1 m=21 s=15
